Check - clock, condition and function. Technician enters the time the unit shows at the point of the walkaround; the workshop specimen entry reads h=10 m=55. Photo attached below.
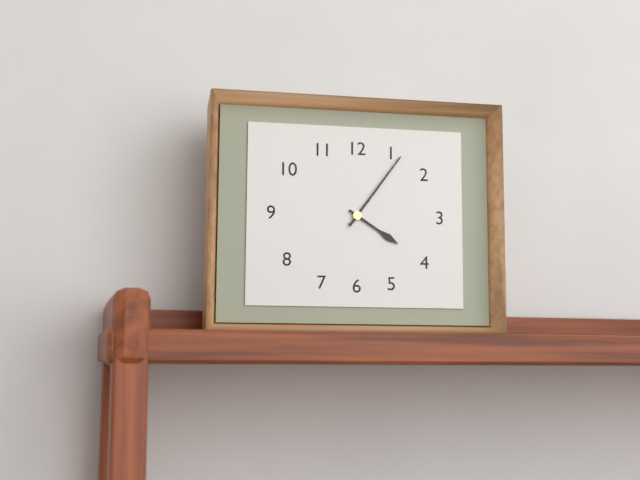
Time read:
h=4 m=6
